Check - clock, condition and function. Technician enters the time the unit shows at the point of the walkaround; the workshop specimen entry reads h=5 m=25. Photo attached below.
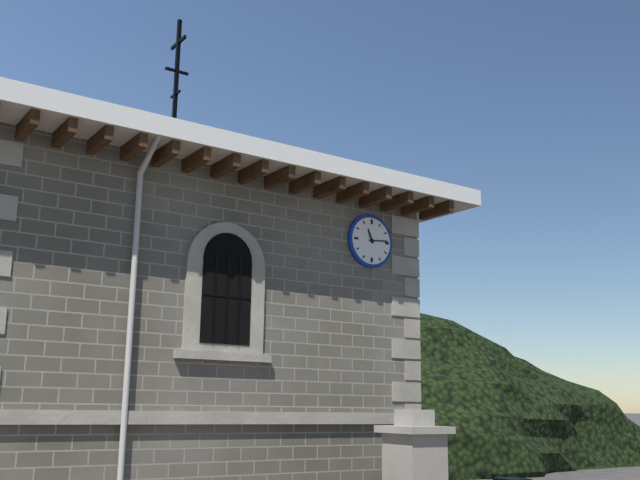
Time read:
h=11 m=14
